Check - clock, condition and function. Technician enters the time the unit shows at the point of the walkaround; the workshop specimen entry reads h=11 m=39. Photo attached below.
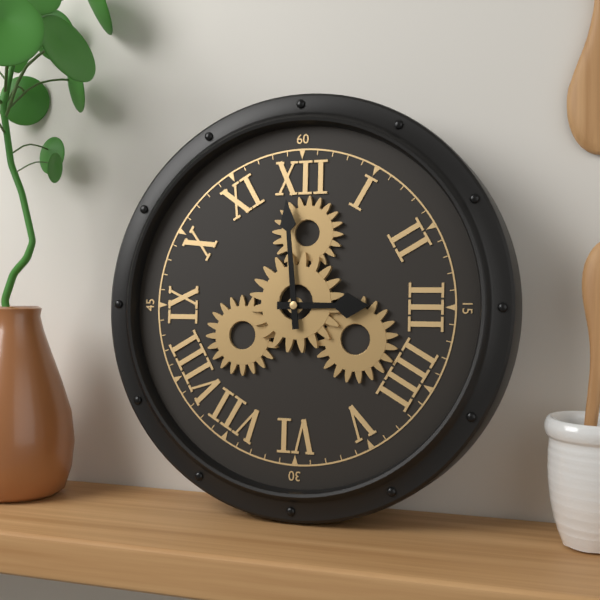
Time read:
h=2 m=59
